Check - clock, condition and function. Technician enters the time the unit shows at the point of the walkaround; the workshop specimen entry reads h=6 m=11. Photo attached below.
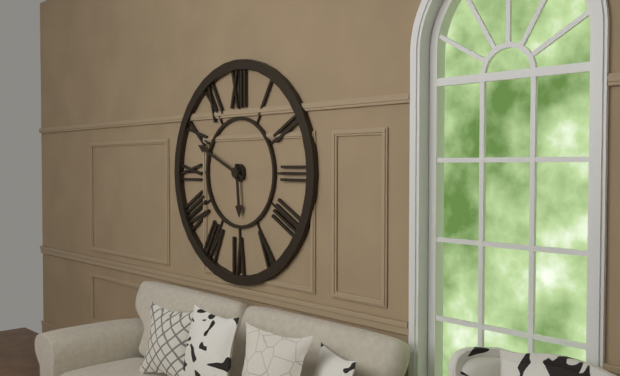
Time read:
h=5 m=49
